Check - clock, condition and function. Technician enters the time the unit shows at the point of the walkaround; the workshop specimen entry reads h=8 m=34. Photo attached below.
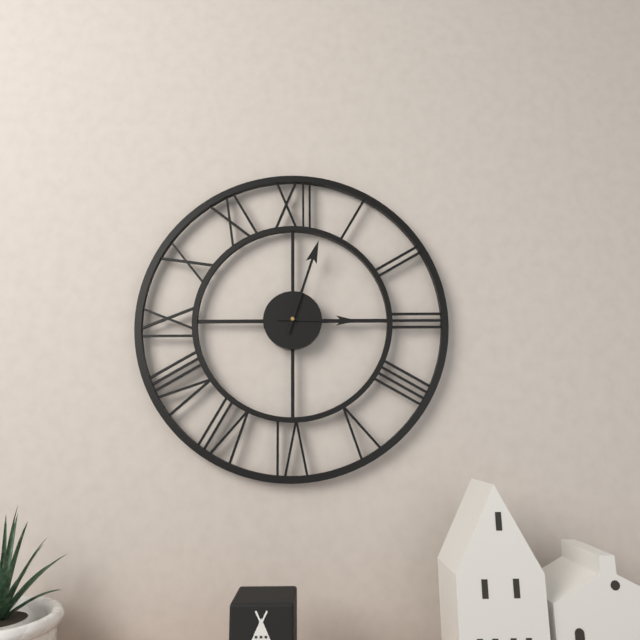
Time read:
h=3 m=3
